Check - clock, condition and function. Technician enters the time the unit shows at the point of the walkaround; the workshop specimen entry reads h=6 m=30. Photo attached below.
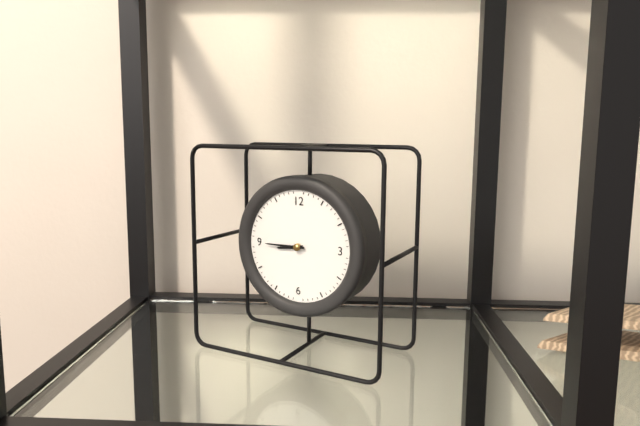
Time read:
h=8 m=45
